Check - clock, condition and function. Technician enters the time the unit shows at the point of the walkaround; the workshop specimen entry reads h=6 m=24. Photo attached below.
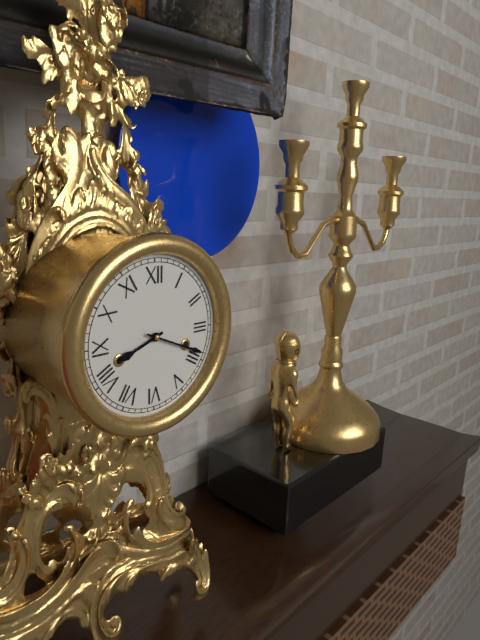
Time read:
h=8 m=19
